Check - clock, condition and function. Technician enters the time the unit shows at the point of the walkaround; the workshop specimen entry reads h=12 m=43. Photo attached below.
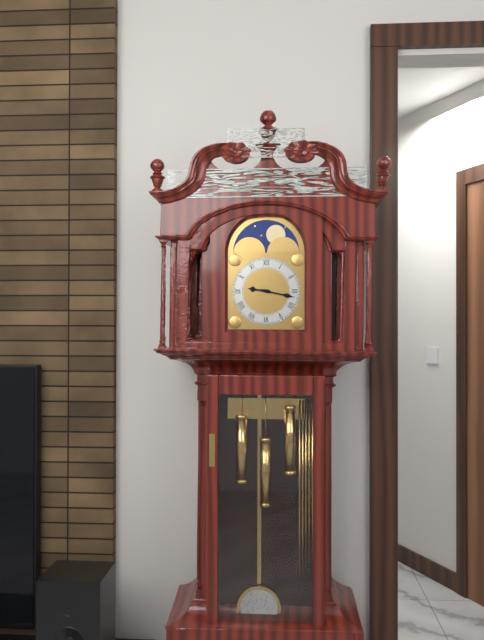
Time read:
h=9 m=17
